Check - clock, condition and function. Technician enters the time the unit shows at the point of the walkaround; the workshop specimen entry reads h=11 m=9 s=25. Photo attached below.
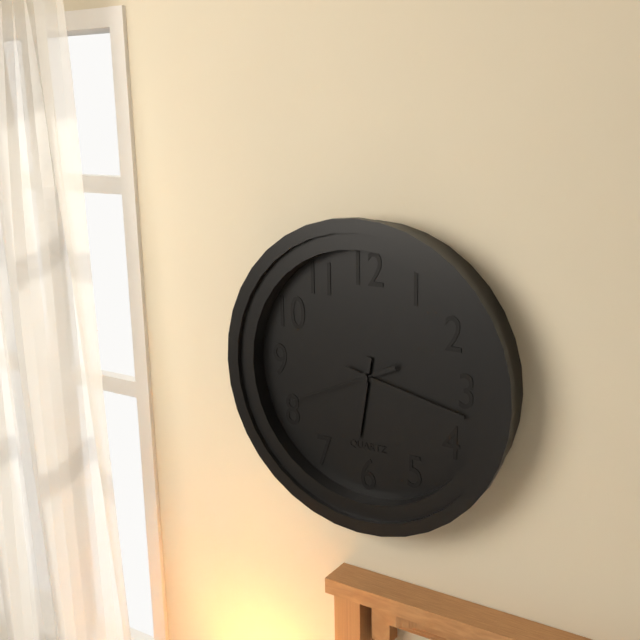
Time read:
h=6 m=17 s=41
